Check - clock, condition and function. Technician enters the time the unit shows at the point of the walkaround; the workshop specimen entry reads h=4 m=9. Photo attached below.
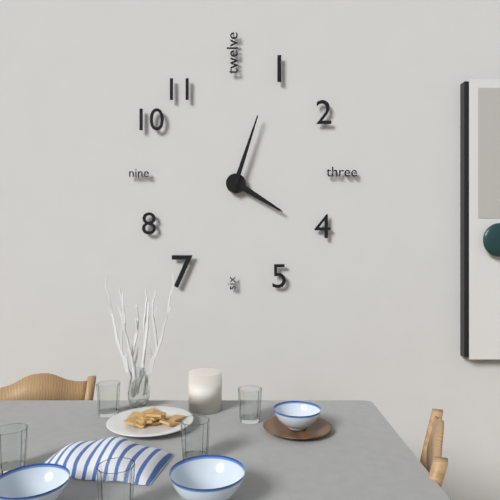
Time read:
h=4 m=3
